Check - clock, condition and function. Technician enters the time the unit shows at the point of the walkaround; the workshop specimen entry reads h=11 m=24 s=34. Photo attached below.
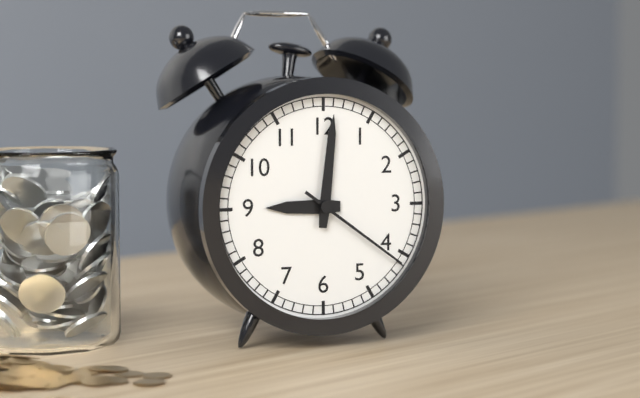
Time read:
h=9 m=1 s=21
